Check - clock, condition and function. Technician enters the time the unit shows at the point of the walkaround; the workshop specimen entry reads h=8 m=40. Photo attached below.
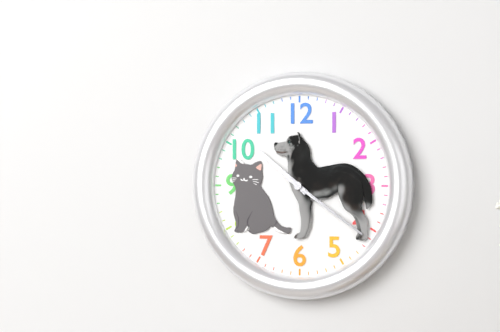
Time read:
h=10 m=21
